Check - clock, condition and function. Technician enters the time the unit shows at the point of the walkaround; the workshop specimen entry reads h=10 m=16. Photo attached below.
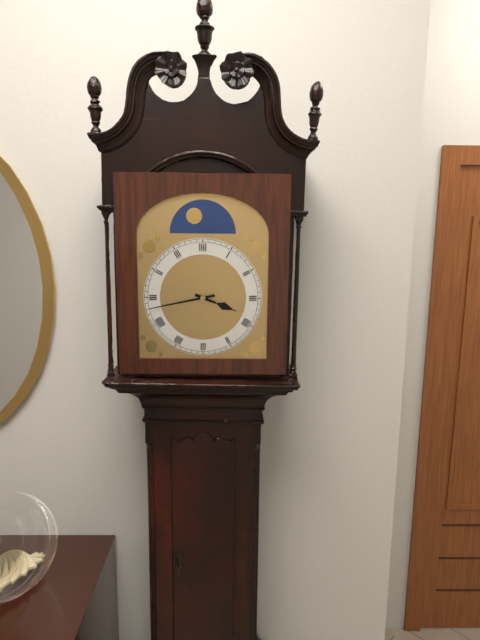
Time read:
h=3 m=43
